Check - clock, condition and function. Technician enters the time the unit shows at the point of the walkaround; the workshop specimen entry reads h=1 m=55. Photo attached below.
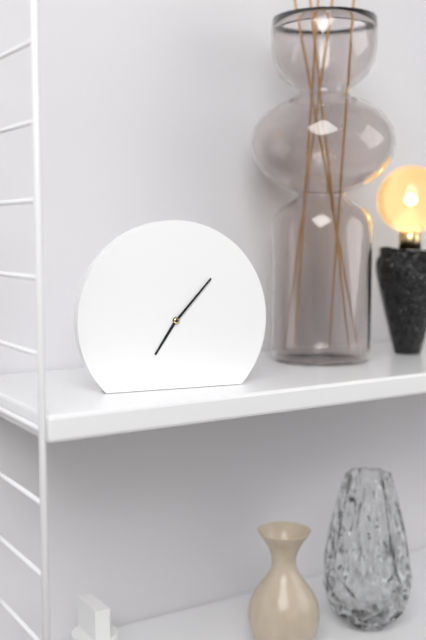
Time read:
h=7 m=7
